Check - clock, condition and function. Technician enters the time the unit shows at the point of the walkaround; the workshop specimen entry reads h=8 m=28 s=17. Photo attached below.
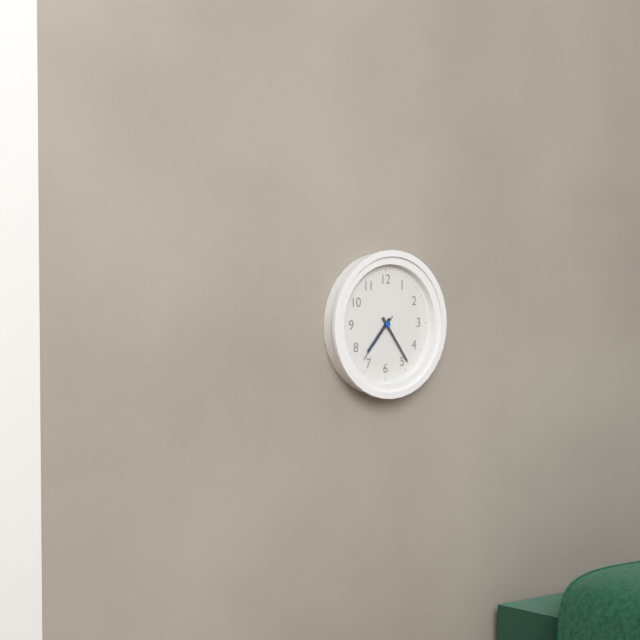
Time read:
h=7 m=24 s=37
